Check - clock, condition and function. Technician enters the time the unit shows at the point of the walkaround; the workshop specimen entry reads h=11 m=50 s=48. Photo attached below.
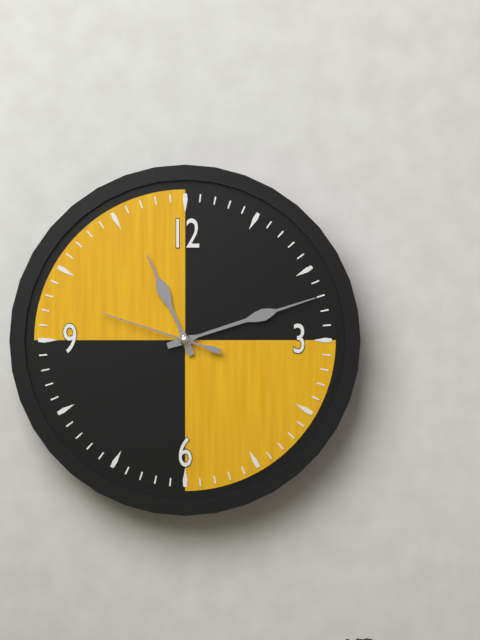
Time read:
h=11 m=12 s=48
